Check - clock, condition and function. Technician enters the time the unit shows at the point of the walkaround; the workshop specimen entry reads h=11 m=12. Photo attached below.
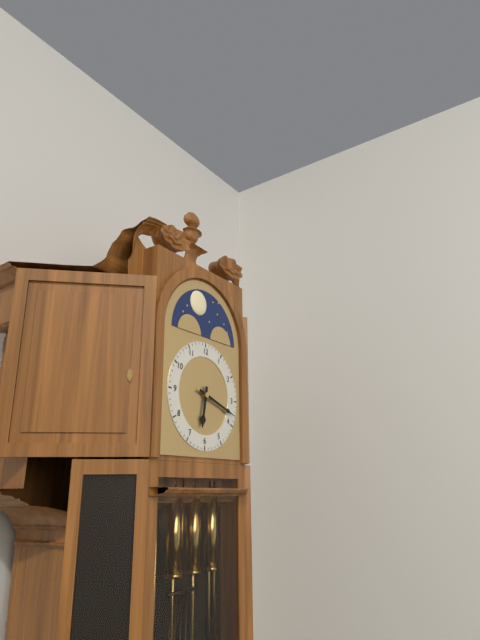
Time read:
h=6 m=18
